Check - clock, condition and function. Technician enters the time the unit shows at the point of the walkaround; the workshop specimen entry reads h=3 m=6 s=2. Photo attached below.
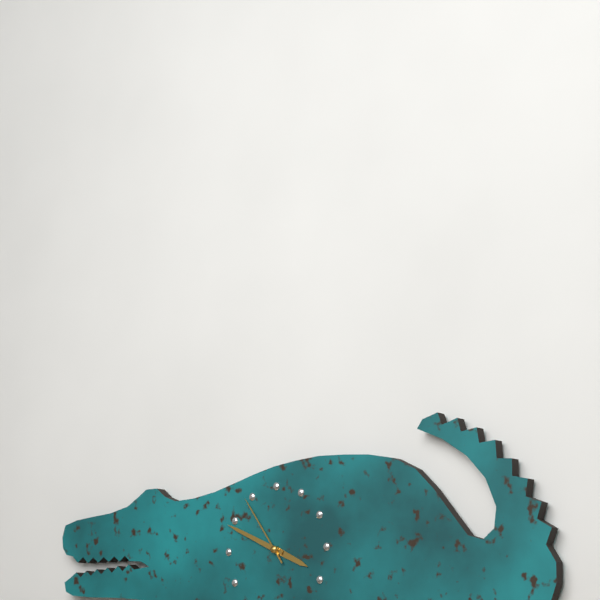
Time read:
h=3 m=49 s=54
